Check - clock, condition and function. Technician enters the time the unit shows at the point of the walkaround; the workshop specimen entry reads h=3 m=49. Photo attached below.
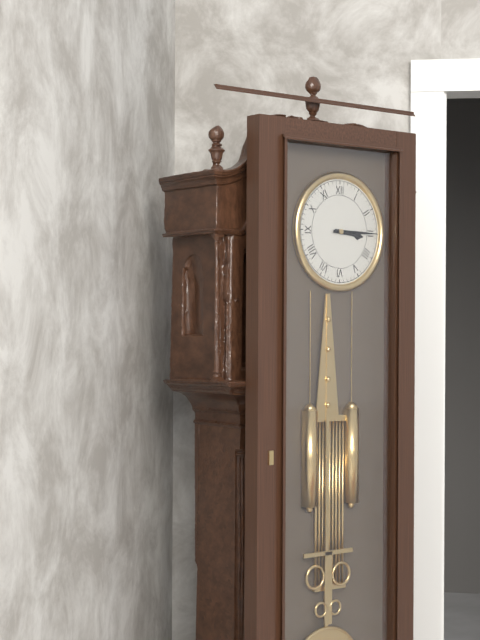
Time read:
h=3 m=15
